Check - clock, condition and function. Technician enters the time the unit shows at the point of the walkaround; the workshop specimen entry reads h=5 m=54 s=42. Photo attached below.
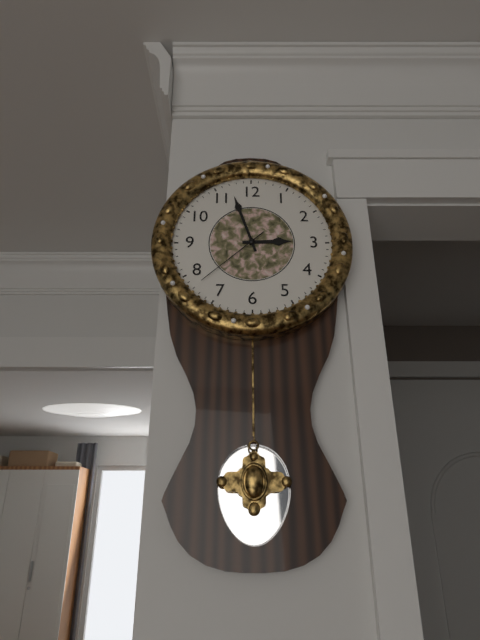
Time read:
h=2 m=57 s=38
